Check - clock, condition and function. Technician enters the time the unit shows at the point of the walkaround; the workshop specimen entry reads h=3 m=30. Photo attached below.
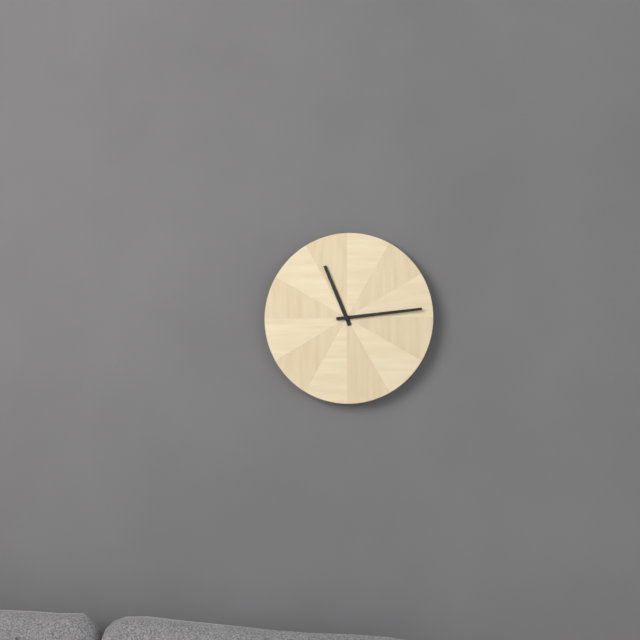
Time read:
h=11 m=14
